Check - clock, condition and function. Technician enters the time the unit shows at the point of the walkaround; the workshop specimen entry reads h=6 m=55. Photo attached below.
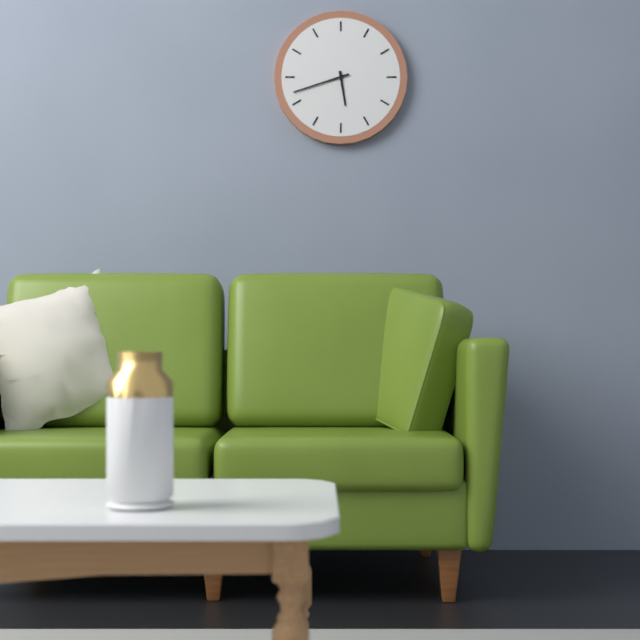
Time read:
h=5 m=42
